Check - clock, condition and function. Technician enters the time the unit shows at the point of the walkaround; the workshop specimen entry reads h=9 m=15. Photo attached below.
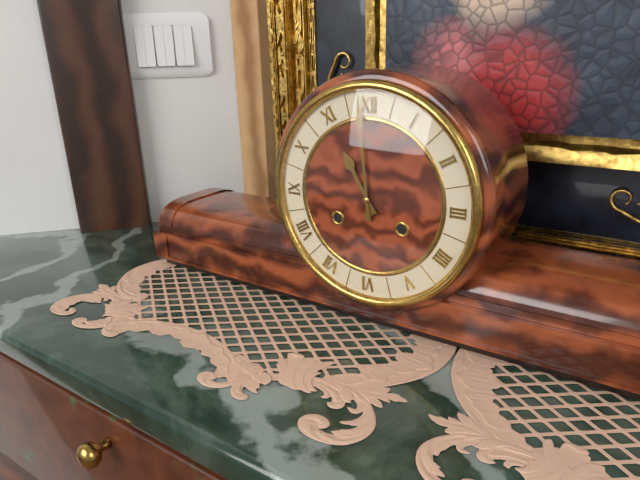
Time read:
h=10 m=59
